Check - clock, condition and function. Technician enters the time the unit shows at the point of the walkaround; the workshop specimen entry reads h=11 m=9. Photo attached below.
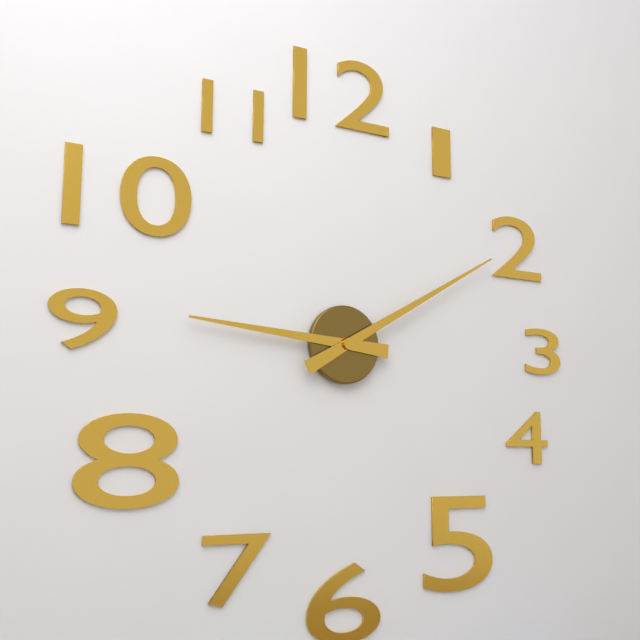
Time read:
h=9 m=10
